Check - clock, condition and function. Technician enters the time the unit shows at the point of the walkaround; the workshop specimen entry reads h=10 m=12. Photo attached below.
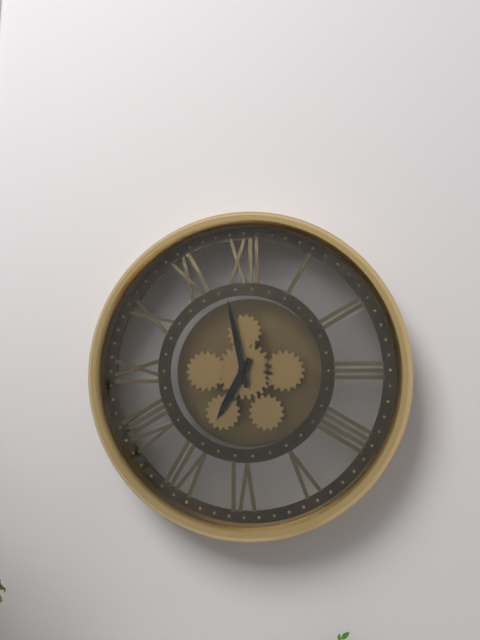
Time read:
h=6 m=58
